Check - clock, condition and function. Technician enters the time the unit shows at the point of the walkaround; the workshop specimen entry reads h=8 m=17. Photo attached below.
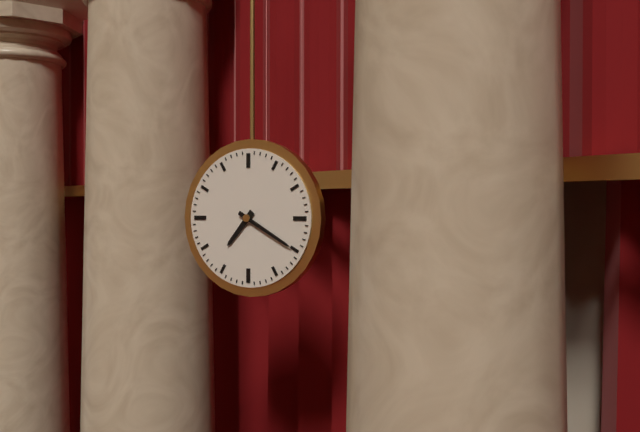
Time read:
h=7 m=20
